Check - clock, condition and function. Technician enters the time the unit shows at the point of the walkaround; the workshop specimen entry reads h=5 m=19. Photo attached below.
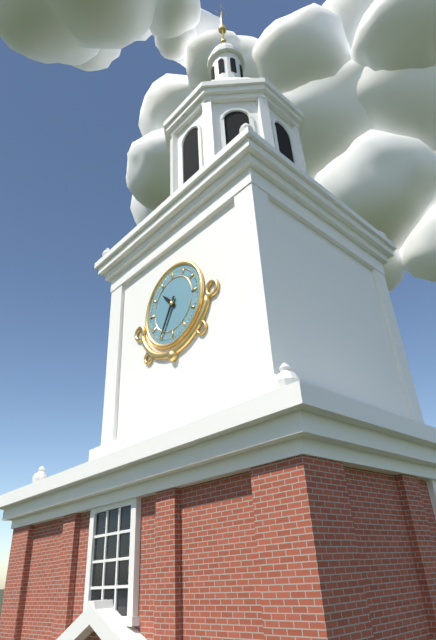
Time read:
h=10 m=35
